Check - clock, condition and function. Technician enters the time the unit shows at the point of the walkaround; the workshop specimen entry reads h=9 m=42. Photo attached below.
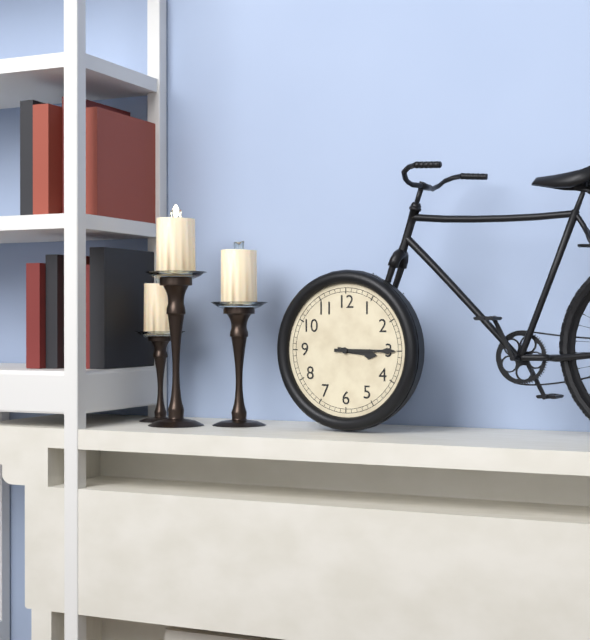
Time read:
h=3 m=15
